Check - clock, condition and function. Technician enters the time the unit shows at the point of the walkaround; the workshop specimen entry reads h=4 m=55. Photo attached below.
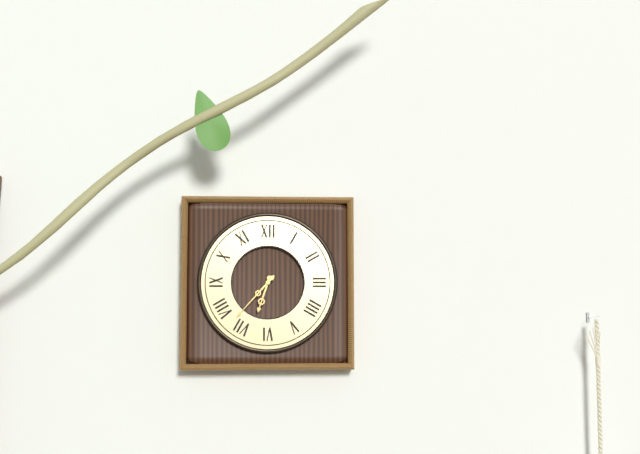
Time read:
h=6 m=37
